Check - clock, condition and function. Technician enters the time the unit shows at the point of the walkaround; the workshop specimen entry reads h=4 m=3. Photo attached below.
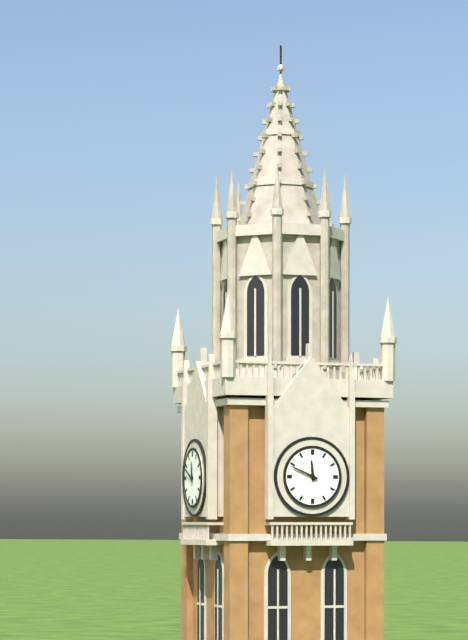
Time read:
h=11 m=49
